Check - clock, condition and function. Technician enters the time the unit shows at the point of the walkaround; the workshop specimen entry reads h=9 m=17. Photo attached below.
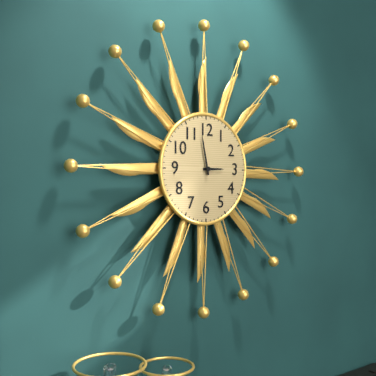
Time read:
h=2 m=58
